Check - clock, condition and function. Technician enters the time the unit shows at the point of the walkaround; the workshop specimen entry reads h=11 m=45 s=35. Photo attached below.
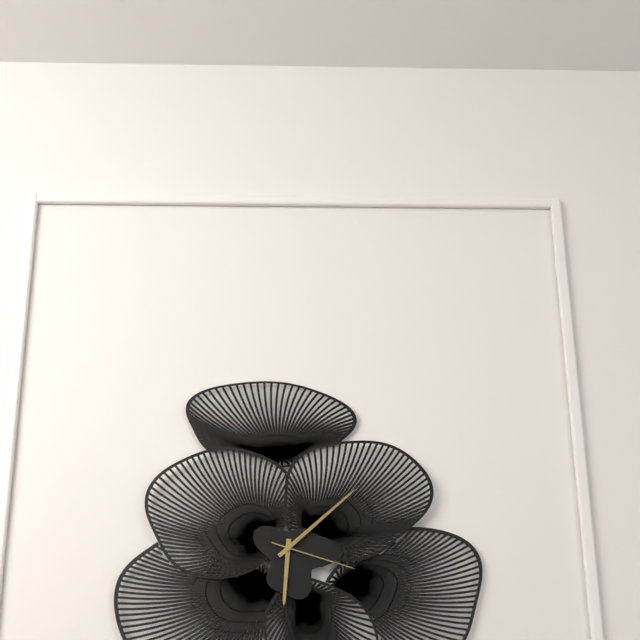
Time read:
h=6 m=8 s=18
